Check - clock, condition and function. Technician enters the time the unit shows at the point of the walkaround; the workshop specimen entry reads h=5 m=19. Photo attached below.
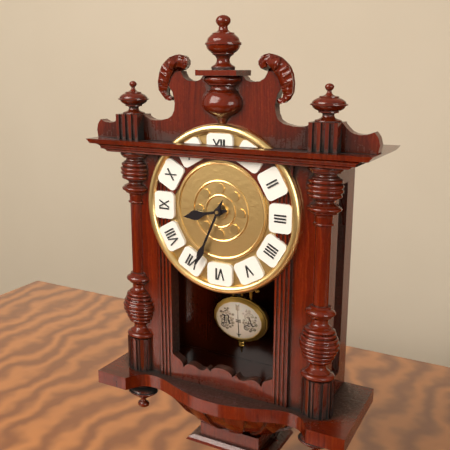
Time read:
h=8 m=34
